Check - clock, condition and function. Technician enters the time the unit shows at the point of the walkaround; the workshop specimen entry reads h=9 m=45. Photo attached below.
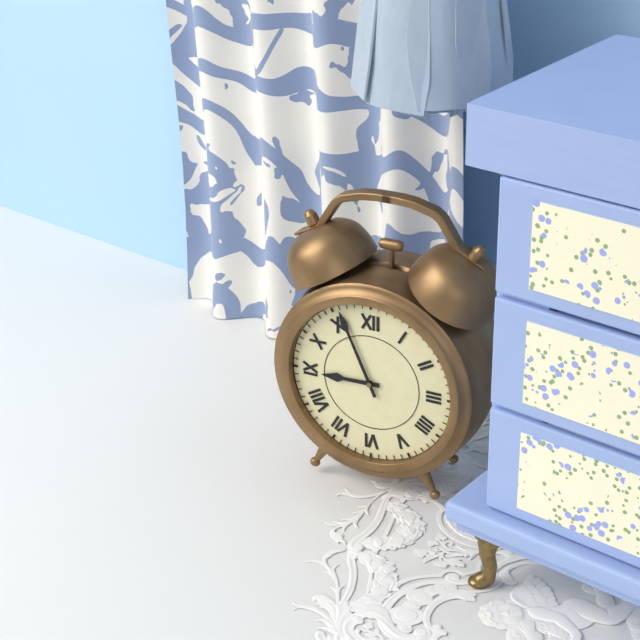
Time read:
h=8 m=56
